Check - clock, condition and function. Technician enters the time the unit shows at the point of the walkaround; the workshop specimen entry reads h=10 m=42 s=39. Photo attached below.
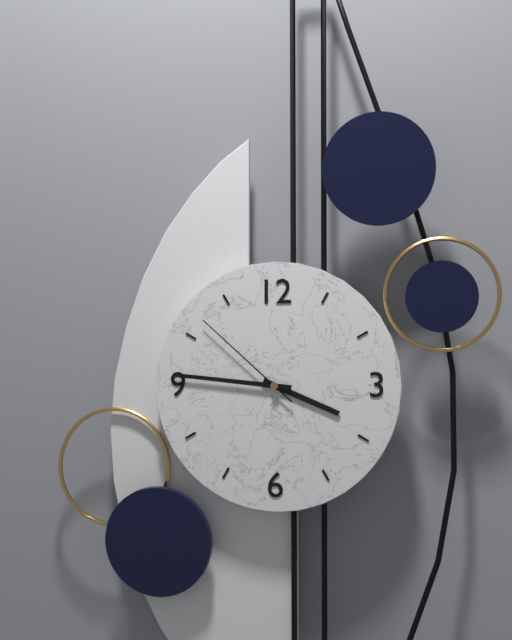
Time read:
h=3 m=46 s=52
